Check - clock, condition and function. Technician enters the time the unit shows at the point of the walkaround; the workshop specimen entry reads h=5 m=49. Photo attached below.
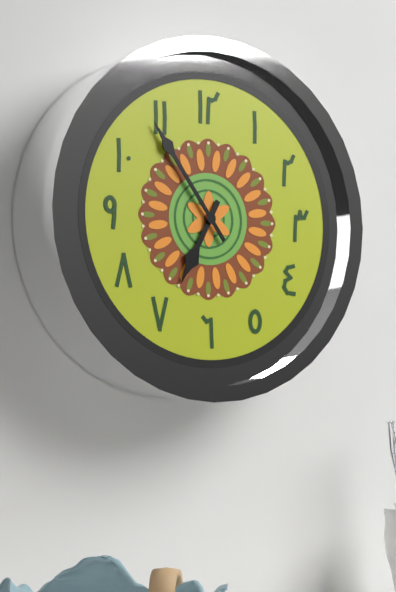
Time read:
h=6 m=54
